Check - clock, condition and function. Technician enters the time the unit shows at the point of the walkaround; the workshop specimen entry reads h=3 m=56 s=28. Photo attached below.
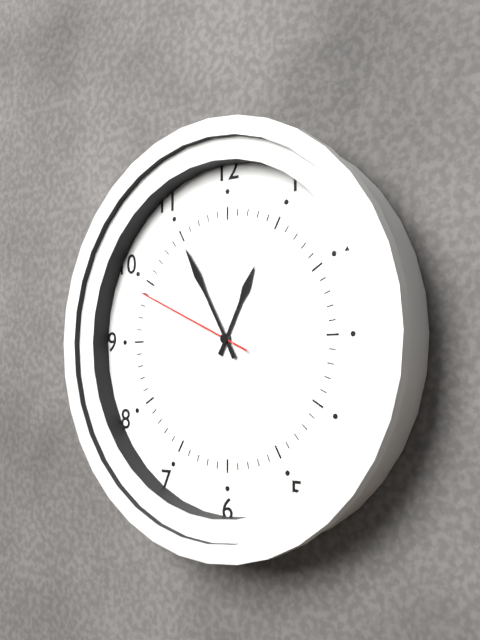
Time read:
h=12 m=55 s=49
